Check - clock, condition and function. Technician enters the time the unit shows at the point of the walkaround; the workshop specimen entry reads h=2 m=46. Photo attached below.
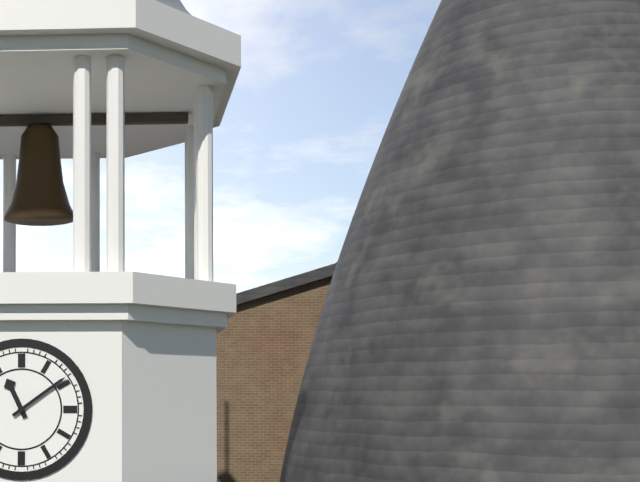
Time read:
h=11 m=9
